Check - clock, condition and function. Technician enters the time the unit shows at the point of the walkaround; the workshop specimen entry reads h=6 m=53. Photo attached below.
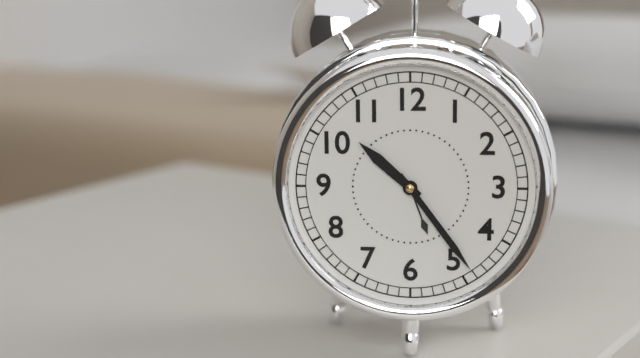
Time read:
h=10 m=24
